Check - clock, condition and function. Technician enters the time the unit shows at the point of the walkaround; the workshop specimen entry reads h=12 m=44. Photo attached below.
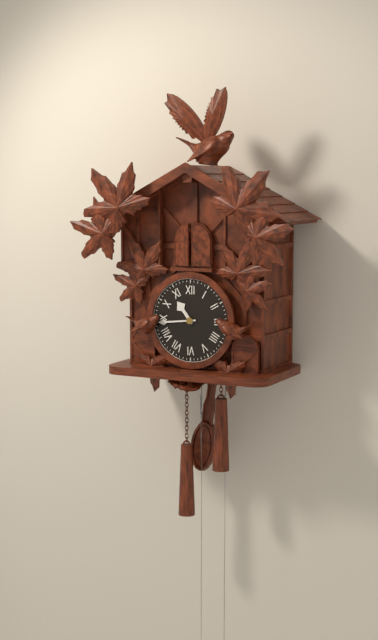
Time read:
h=10 m=44
